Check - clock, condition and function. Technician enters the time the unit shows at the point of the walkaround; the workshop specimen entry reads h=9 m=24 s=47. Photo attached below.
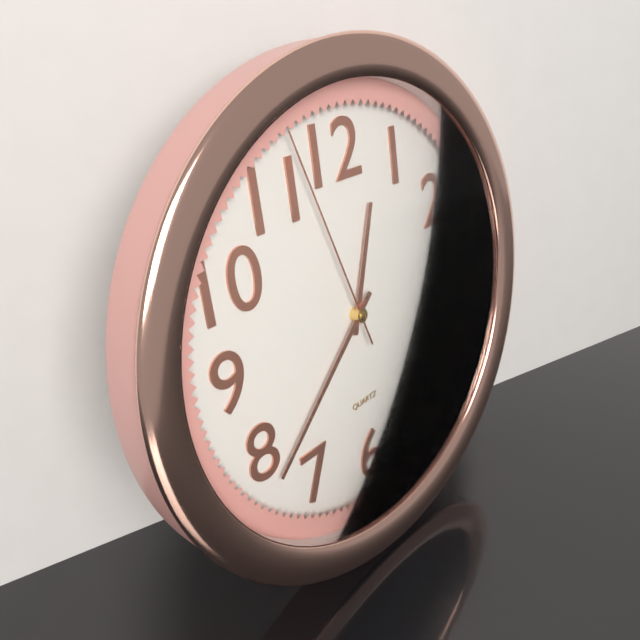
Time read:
h=12 m=38 s=57
